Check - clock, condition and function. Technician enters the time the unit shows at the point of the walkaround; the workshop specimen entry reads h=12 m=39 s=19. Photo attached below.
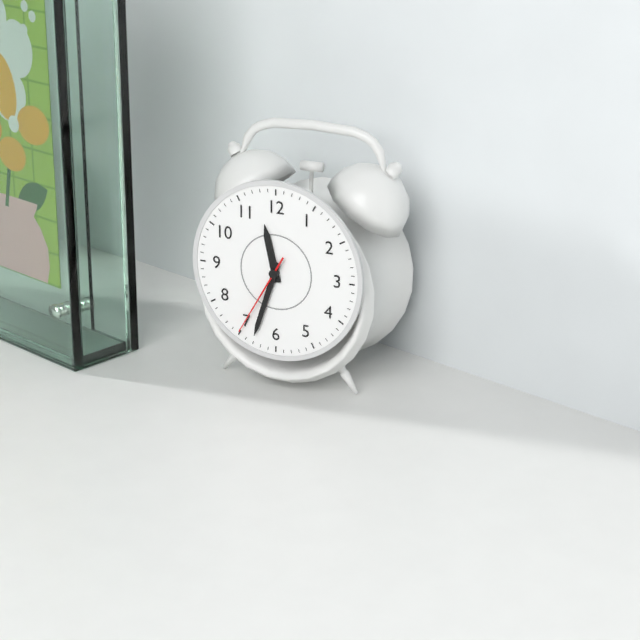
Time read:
h=11 m=33 s=35
